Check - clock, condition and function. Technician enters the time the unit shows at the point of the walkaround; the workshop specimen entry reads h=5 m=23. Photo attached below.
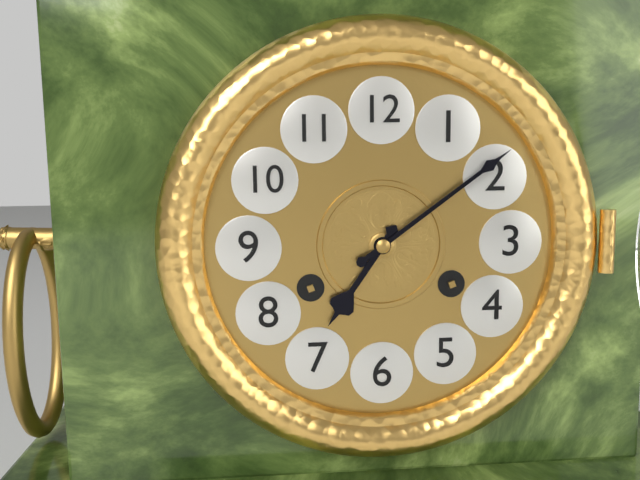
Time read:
h=7 m=9
